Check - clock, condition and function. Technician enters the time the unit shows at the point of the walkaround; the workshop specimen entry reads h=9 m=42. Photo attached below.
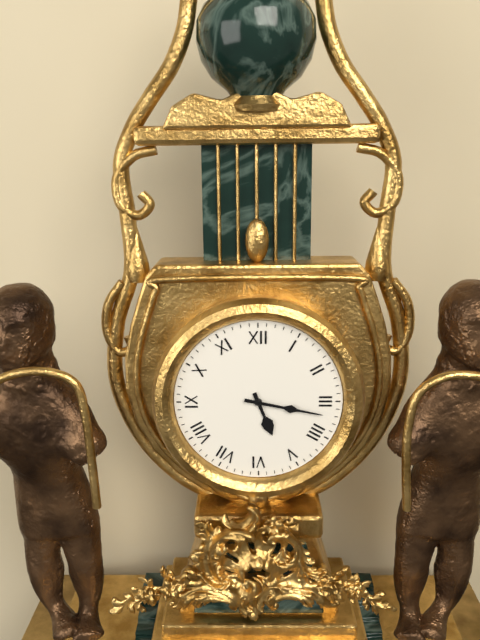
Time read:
h=5 m=17
